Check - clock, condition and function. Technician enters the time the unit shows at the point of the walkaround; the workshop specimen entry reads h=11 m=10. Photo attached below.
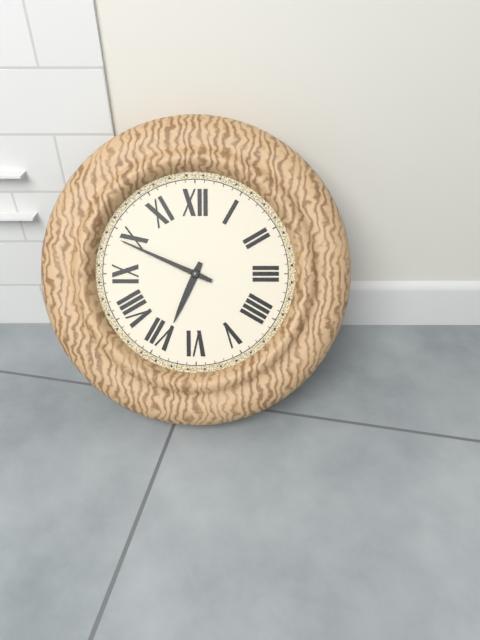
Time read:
h=6 m=49
